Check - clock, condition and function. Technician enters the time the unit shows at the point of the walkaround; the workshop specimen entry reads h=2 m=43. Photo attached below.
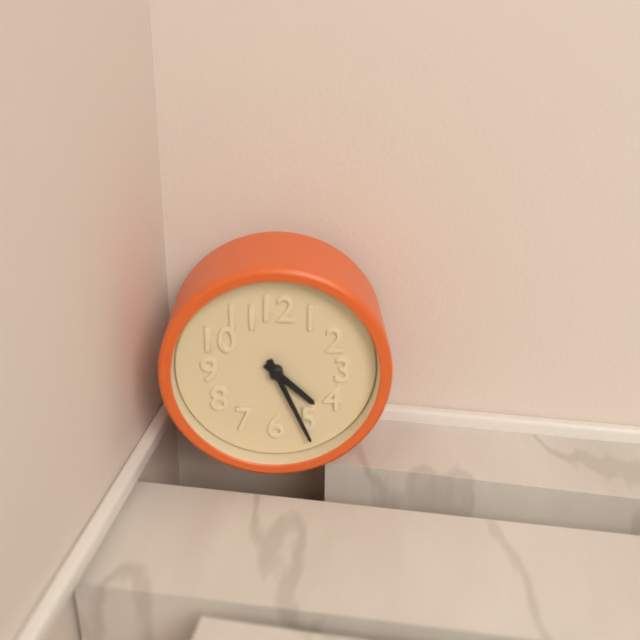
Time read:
h=4 m=26
